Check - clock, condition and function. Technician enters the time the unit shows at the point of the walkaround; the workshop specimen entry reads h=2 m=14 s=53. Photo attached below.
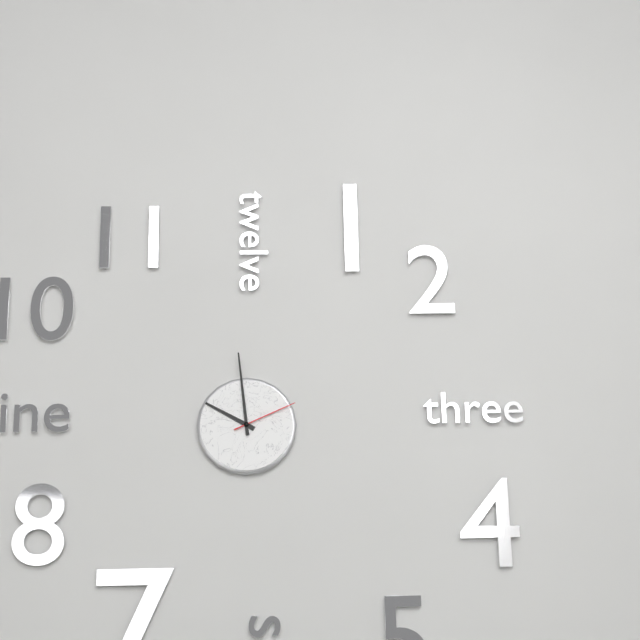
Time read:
h=9 m=59 s=11
